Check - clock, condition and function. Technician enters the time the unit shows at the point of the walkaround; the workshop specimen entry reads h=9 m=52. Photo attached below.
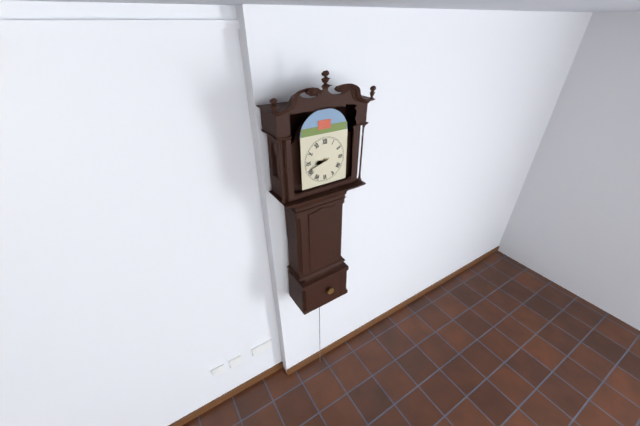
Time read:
h=8 m=42
